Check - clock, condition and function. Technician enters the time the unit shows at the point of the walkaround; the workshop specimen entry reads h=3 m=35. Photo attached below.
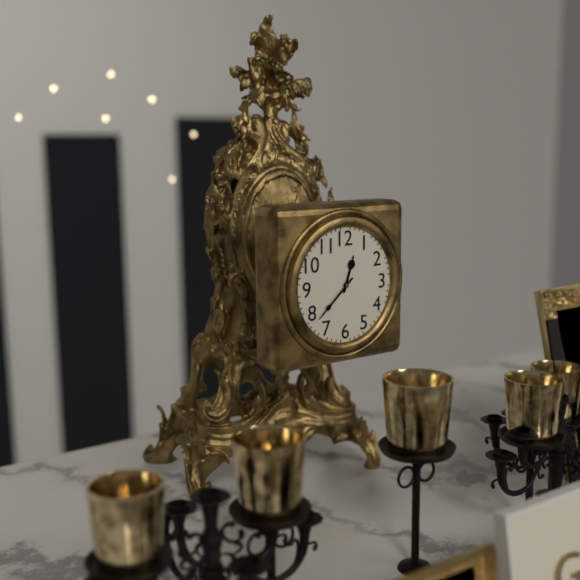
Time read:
h=12 m=38
